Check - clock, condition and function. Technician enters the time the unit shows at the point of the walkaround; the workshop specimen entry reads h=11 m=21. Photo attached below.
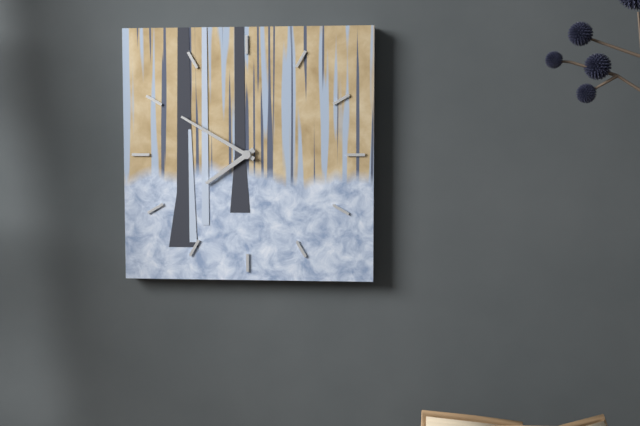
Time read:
h=7 m=50
